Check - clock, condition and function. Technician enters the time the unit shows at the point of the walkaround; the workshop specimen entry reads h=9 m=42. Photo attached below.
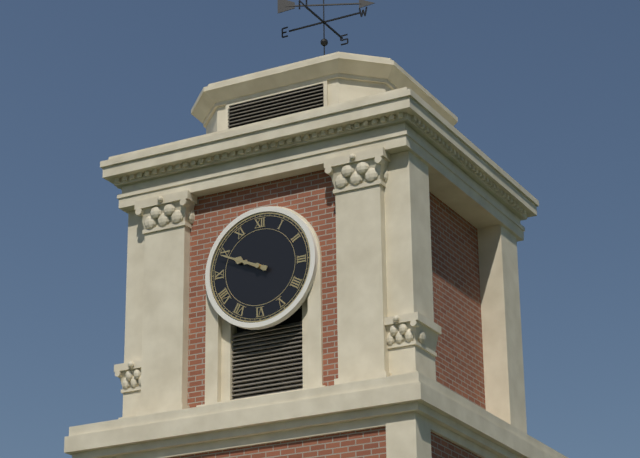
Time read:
h=9 m=49
